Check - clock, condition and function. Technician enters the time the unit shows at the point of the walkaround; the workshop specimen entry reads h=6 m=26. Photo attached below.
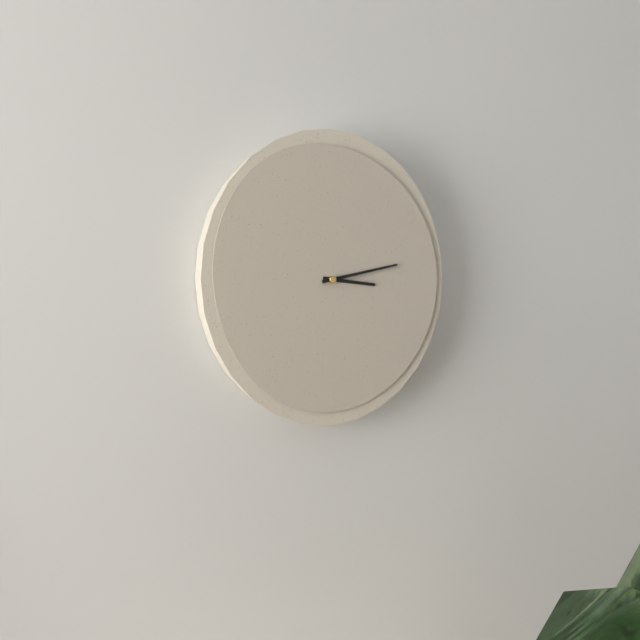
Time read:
h=3 m=13
